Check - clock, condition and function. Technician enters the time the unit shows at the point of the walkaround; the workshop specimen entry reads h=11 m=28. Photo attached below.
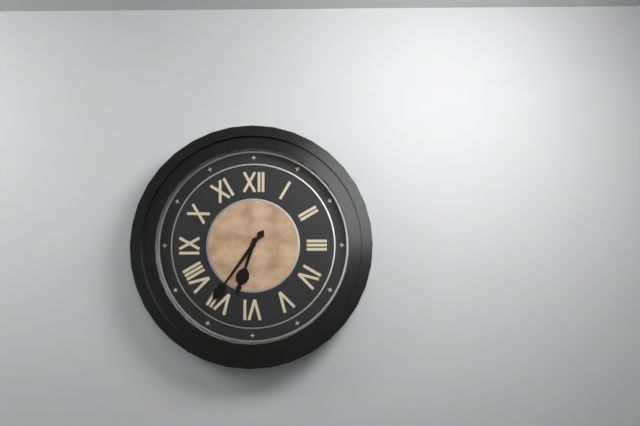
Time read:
h=6 m=36
